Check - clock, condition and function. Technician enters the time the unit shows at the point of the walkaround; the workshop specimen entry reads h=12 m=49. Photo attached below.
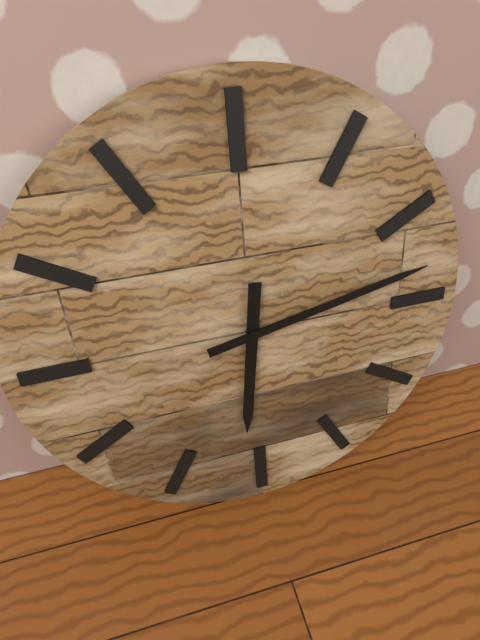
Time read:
h=6 m=13
